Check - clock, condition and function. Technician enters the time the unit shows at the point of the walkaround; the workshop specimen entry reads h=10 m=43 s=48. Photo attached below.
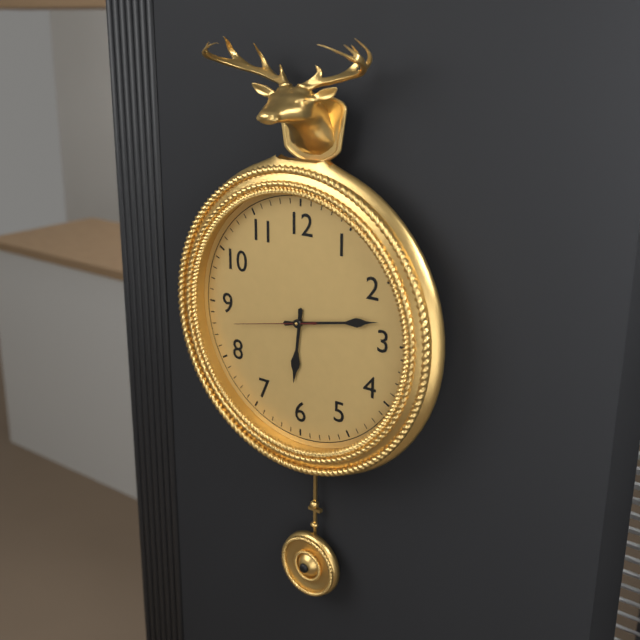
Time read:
h=6 m=13 s=43
